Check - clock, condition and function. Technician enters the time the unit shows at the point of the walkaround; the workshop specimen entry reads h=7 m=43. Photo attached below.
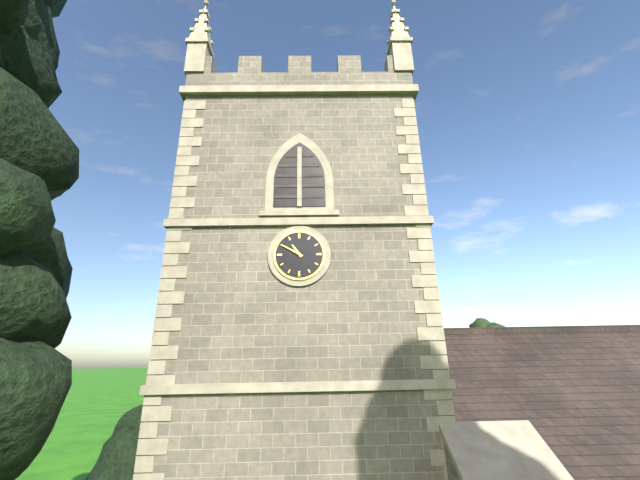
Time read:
h=10 m=50
